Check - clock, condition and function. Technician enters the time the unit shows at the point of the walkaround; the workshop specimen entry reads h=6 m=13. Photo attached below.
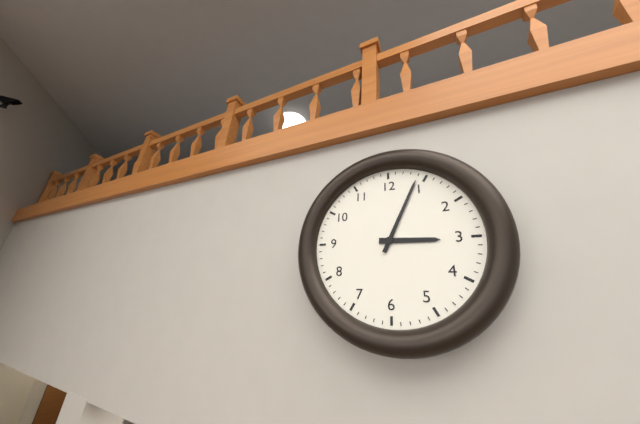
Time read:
h=3 m=4
